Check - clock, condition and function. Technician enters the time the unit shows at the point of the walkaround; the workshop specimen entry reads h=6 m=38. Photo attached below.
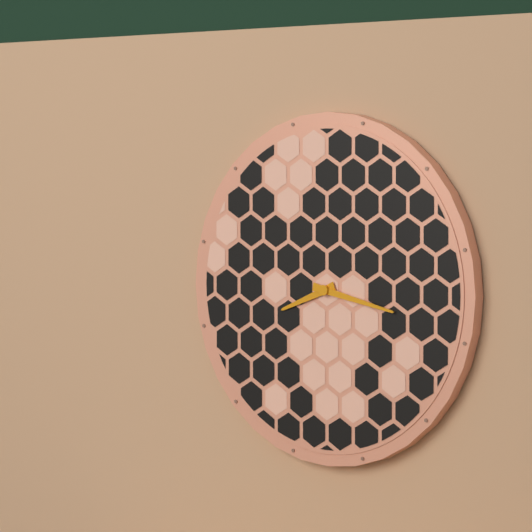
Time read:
h=8 m=17
